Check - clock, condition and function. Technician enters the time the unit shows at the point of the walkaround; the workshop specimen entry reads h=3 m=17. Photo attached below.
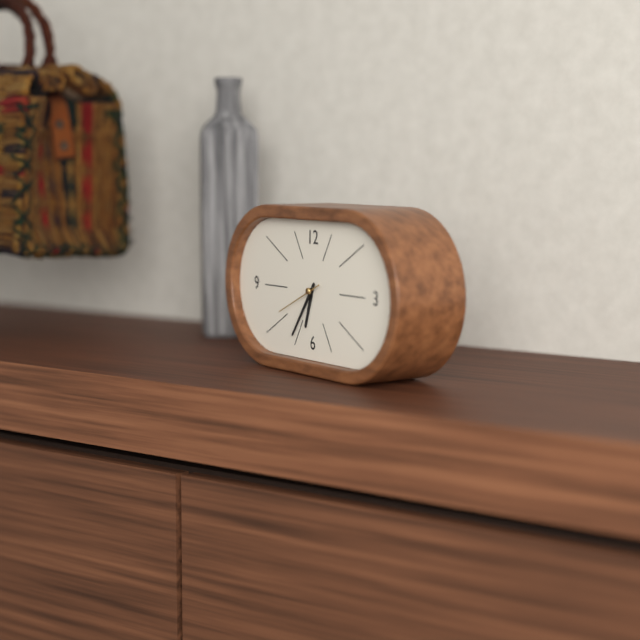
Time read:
h=6 m=36
